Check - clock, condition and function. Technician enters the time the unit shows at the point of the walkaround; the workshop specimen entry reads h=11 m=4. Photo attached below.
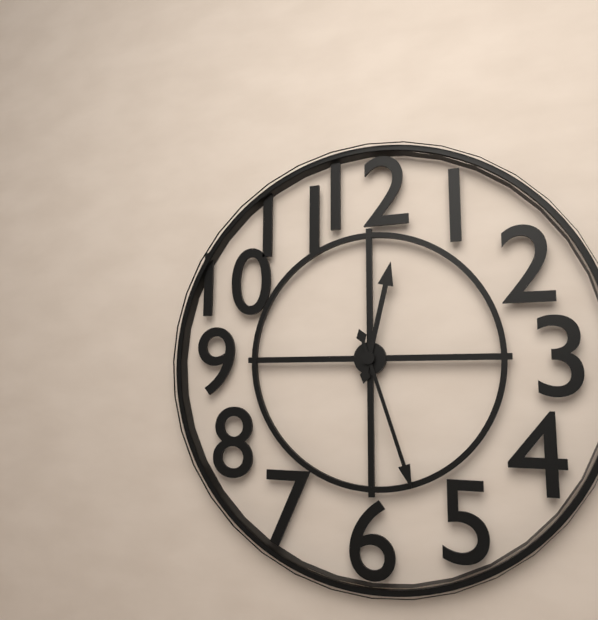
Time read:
h=12 m=27
